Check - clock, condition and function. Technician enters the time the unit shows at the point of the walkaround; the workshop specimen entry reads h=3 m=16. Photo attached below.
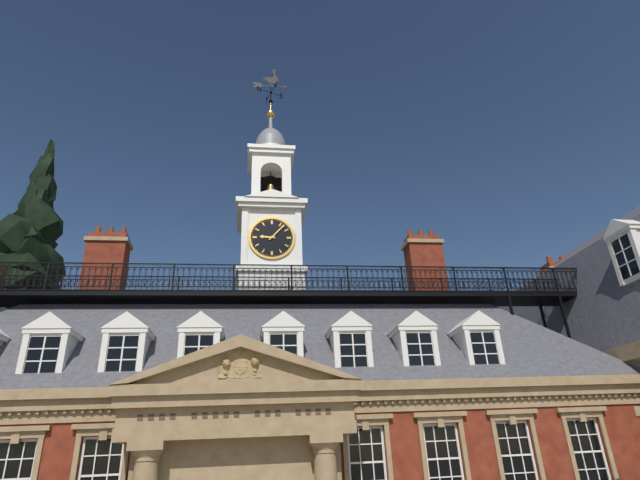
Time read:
h=9 m=7
